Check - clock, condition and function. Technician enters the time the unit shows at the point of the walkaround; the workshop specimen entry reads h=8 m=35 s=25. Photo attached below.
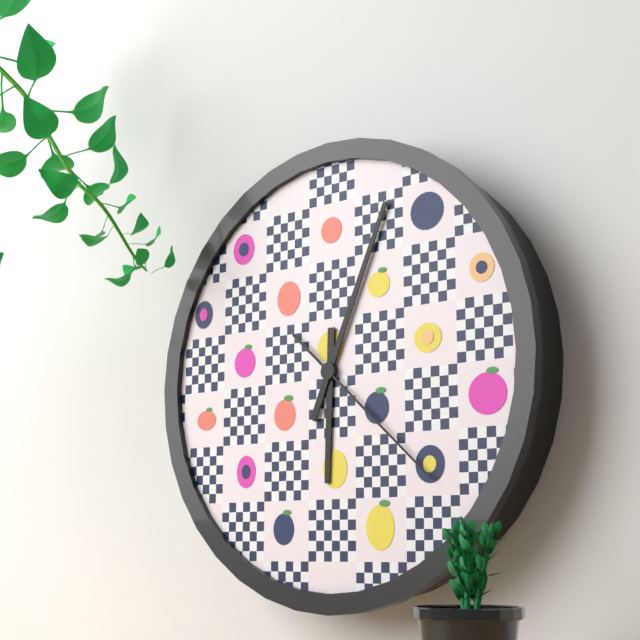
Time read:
h=6 m=4 s=22
